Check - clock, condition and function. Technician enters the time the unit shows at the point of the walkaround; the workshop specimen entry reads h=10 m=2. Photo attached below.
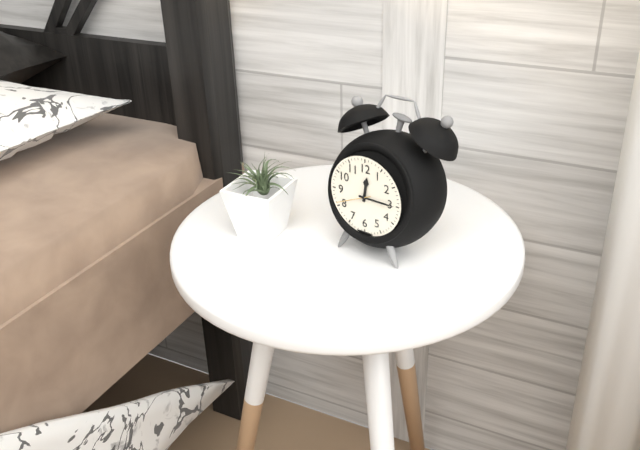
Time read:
h=12 m=15
